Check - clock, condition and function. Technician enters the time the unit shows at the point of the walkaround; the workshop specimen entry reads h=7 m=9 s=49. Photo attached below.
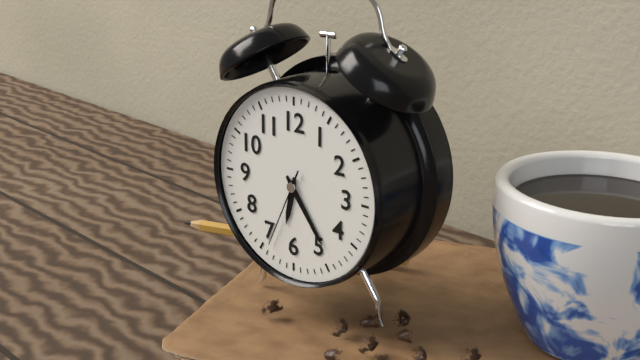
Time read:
h=6 m=24 s=34
